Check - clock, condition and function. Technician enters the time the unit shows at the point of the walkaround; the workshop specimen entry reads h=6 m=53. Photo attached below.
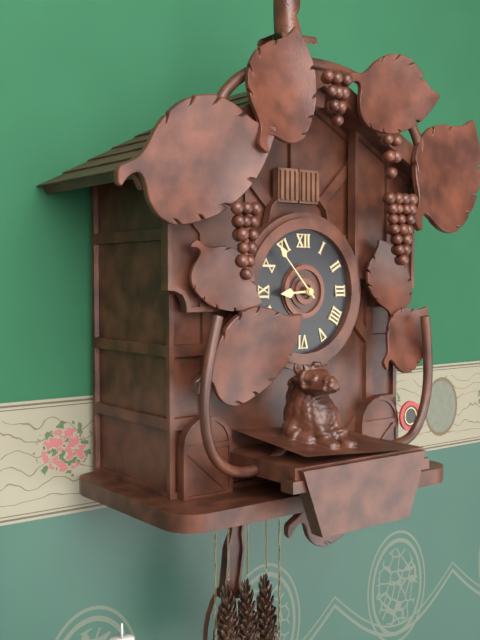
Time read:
h=8 m=53
